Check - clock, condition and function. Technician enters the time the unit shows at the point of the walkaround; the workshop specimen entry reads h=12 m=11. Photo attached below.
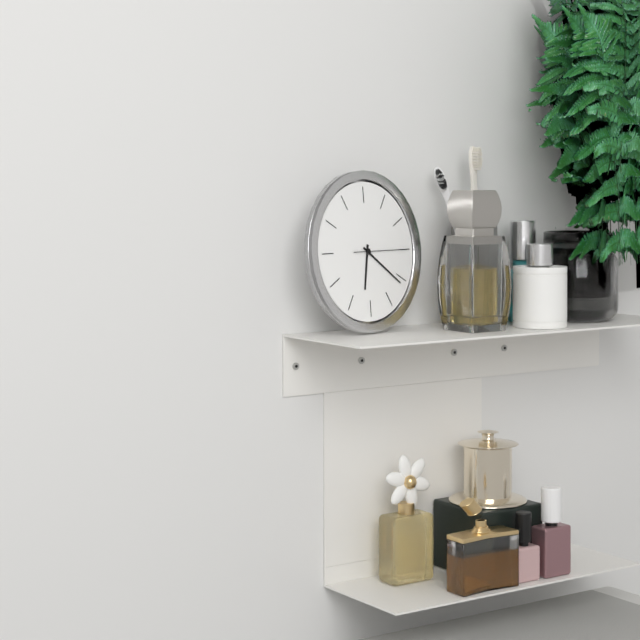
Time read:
h=6 m=21
